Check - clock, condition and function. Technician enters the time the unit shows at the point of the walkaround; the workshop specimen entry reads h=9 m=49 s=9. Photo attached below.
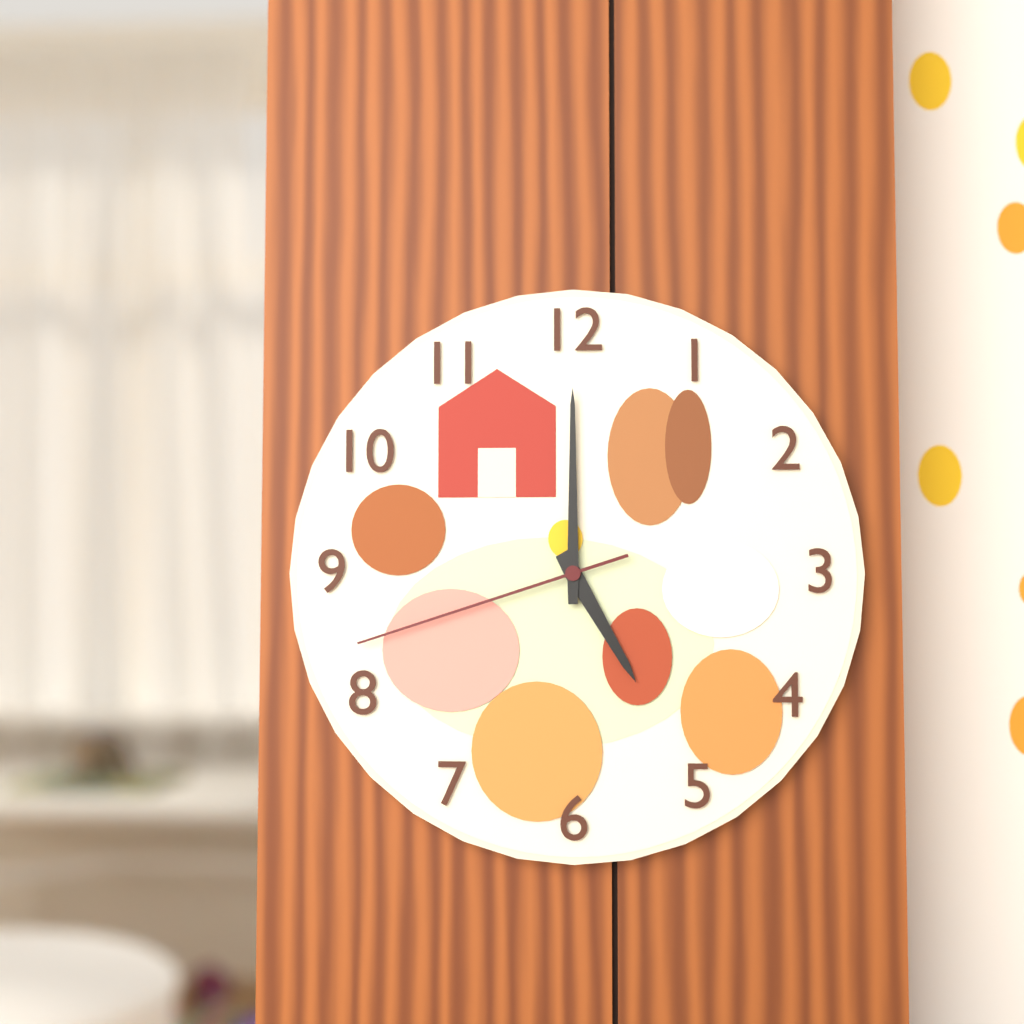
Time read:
h=5 m=0 s=42
